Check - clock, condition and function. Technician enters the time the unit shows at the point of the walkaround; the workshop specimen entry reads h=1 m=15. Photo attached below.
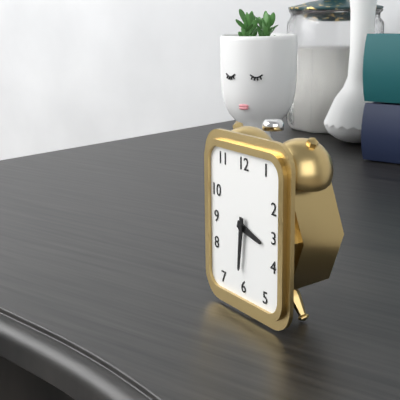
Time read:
h=3 m=31
